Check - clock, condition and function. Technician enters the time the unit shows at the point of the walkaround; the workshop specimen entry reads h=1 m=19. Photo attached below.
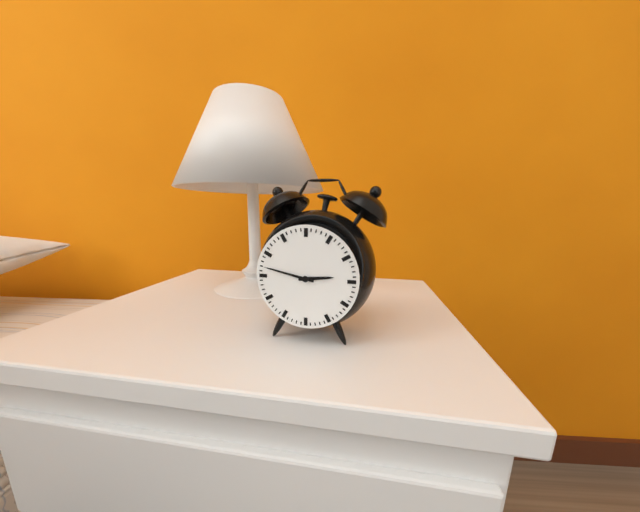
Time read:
h=2 m=47
